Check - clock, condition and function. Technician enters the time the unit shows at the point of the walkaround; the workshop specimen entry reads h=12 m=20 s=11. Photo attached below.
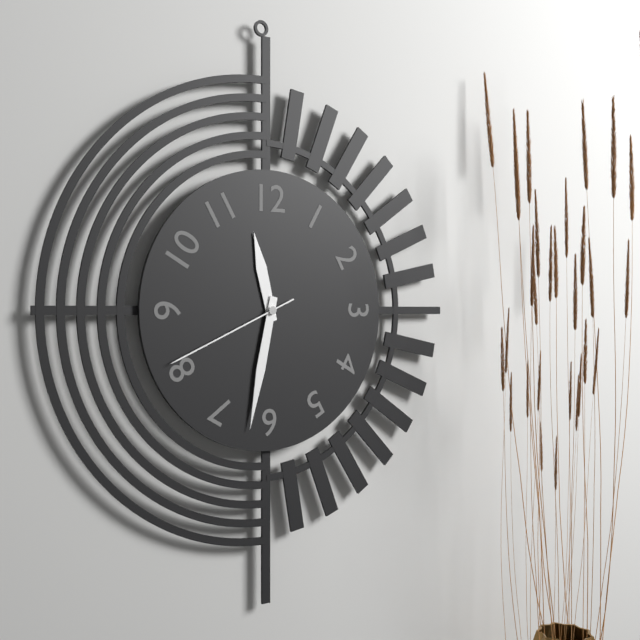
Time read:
h=11 m=32 s=41
